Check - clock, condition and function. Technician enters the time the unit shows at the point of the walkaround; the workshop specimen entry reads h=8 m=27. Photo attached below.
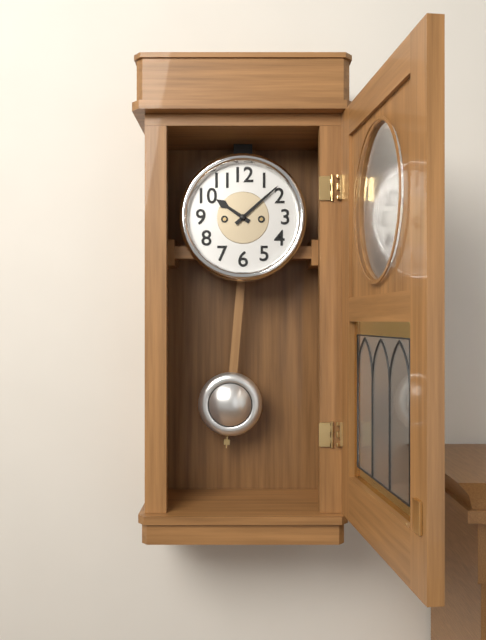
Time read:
h=10 m=8
